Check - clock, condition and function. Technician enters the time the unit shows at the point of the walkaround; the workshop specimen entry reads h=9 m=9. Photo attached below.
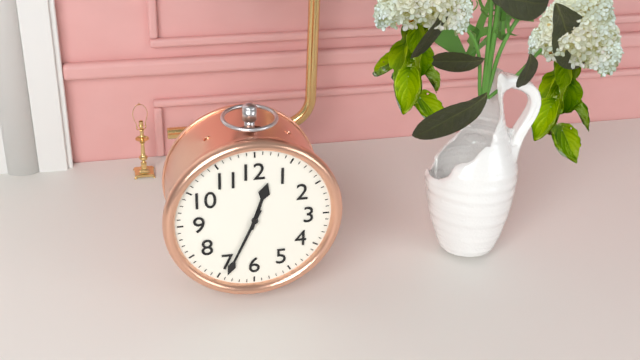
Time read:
h=12 m=34
